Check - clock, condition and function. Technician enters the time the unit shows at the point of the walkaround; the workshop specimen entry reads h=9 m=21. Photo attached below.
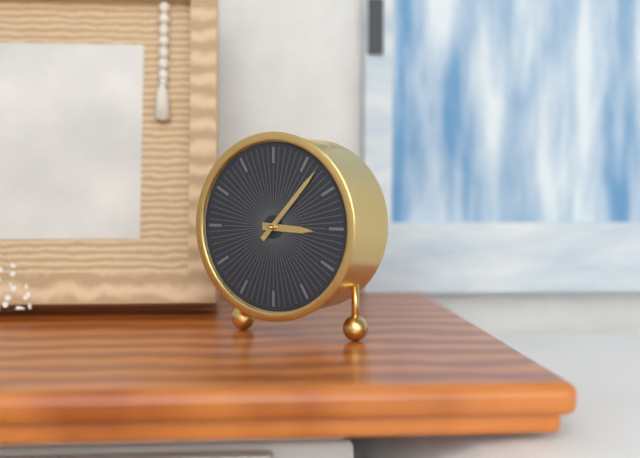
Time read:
h=3 m=7
